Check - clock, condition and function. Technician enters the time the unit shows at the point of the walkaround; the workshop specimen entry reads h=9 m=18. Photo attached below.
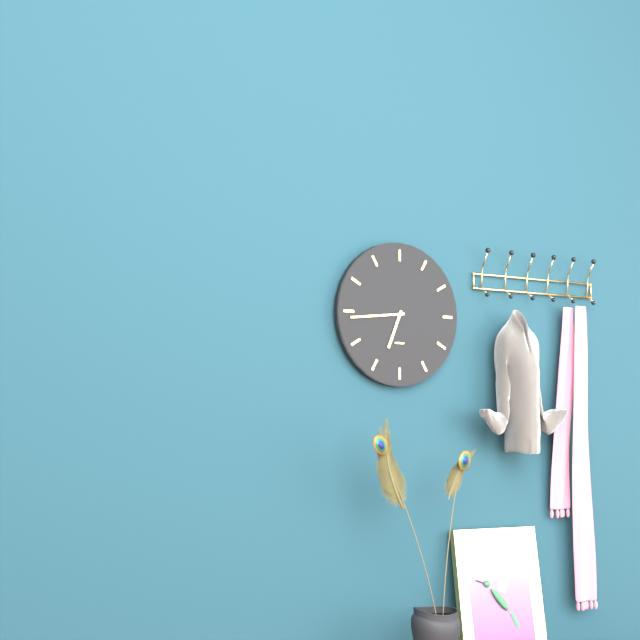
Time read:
h=6 m=44
